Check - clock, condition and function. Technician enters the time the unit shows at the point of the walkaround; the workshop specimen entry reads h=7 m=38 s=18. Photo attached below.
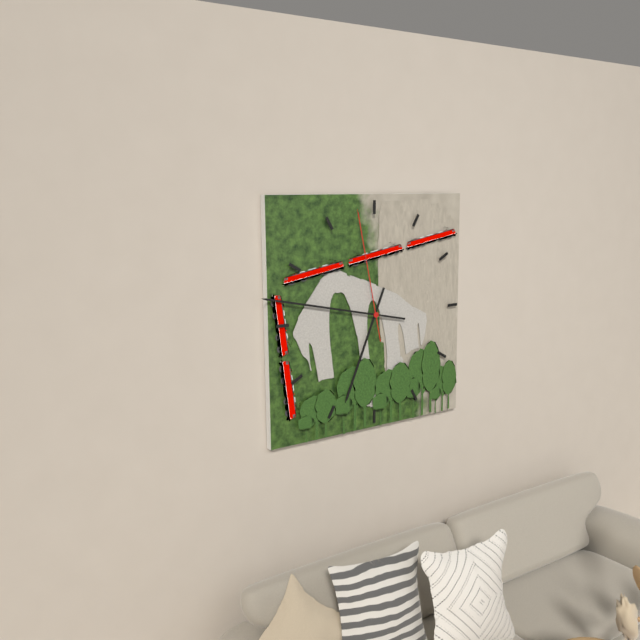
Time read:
h=6 m=47 s=58
